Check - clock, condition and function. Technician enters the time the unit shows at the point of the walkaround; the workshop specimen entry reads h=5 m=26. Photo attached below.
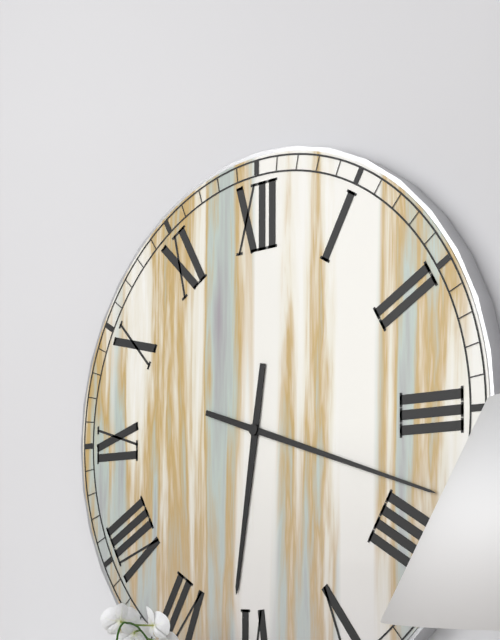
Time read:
h=6 m=18
